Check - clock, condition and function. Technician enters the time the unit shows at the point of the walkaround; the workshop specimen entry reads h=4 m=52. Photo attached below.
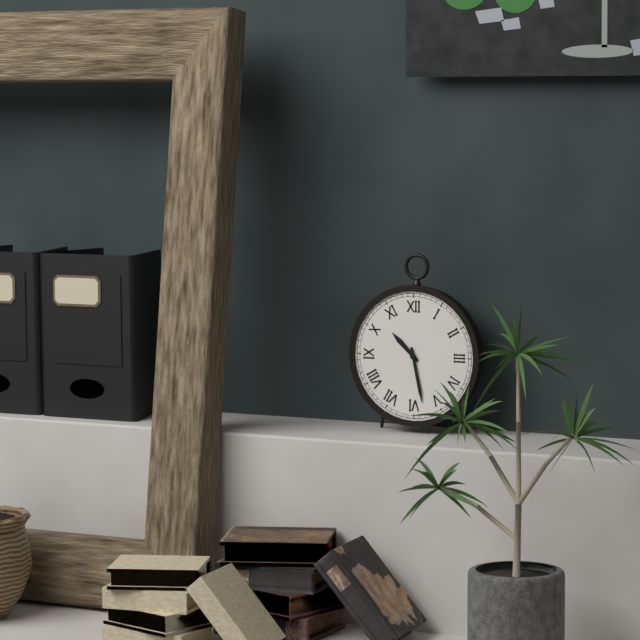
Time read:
h=10 m=28
